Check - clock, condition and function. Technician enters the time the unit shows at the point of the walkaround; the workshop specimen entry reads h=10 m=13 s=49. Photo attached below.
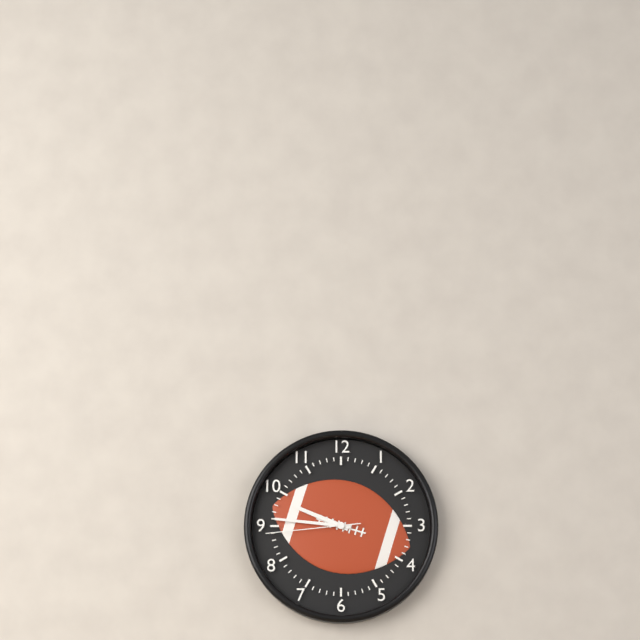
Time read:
h=9 m=46 s=44
